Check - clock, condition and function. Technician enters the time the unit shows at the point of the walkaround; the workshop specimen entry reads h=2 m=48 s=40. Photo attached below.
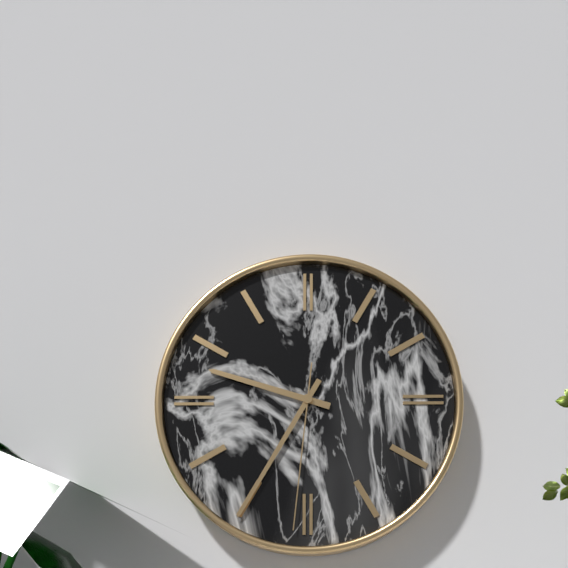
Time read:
h=9 m=35 s=31
